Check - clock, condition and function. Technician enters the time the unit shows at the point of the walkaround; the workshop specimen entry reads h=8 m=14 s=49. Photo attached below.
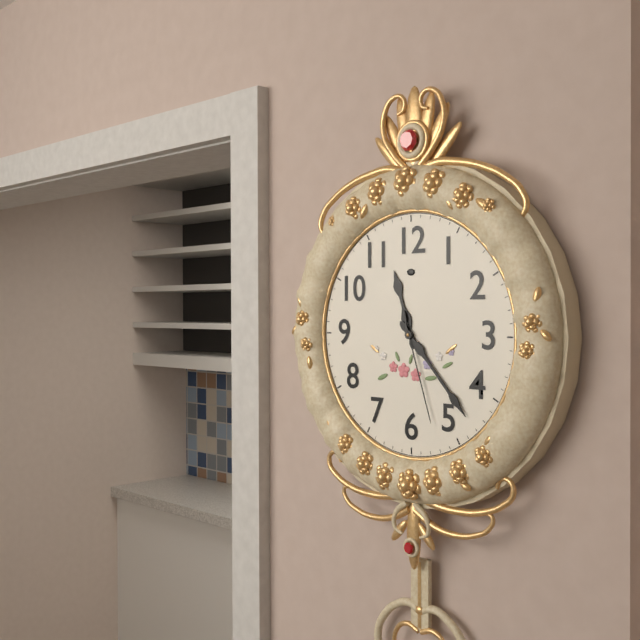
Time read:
h=11 m=23 s=27
